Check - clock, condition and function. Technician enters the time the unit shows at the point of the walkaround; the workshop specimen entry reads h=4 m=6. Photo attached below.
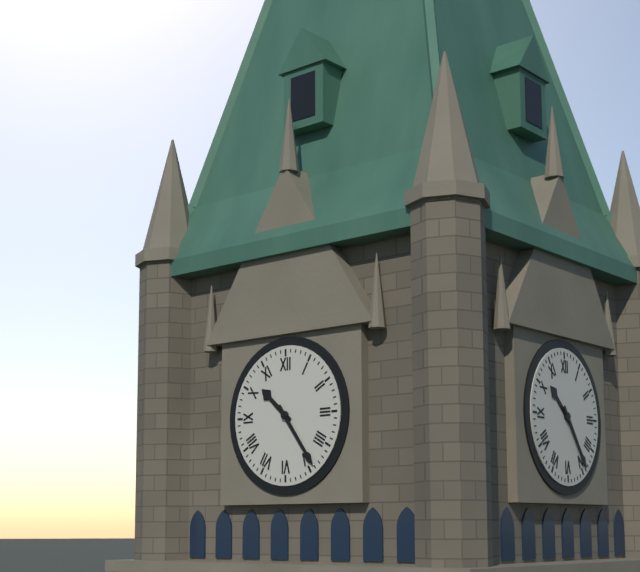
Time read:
h=10 m=24
